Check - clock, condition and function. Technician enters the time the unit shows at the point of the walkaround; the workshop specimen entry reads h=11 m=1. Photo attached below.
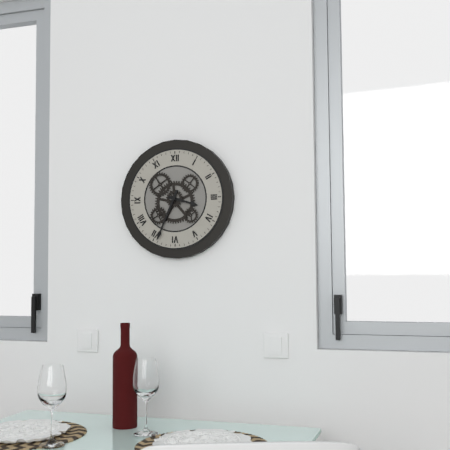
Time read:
h=3 m=34
